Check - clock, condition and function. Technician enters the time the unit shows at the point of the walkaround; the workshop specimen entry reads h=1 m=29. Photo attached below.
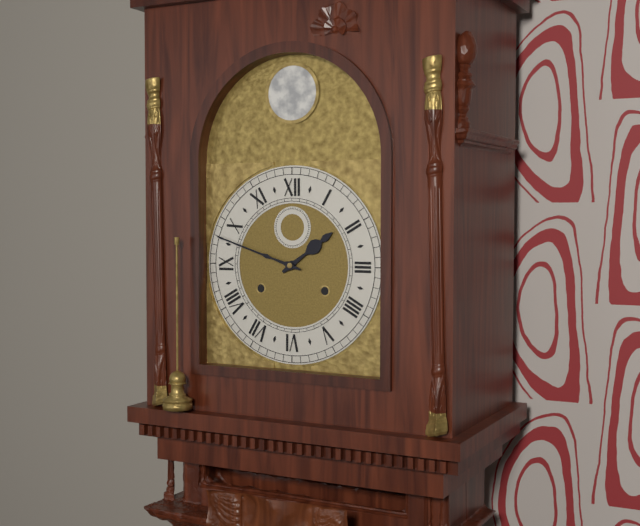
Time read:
h=1 m=48
